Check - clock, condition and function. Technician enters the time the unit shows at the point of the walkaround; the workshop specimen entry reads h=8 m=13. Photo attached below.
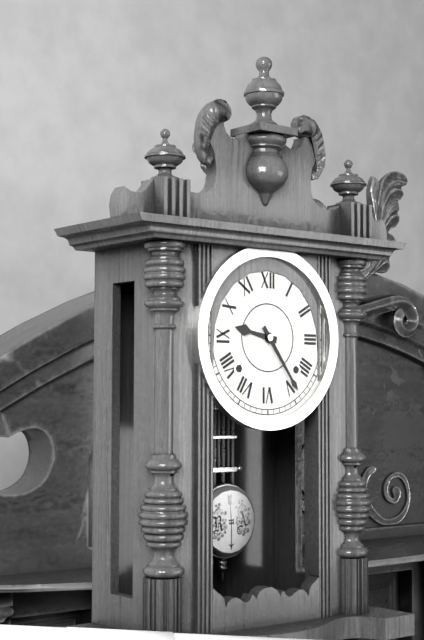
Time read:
h=9 m=24
